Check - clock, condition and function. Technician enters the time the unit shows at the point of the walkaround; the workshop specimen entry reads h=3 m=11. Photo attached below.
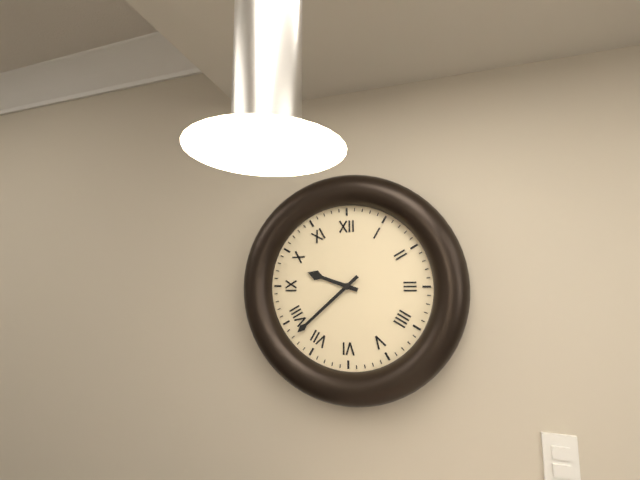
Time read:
h=9 m=38
